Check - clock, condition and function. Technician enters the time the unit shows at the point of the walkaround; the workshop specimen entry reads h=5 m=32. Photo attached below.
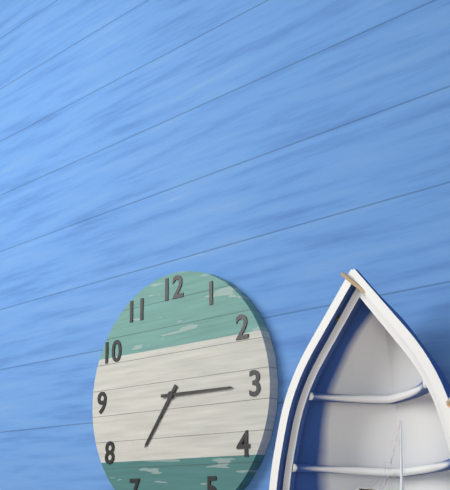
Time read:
h=7 m=15
